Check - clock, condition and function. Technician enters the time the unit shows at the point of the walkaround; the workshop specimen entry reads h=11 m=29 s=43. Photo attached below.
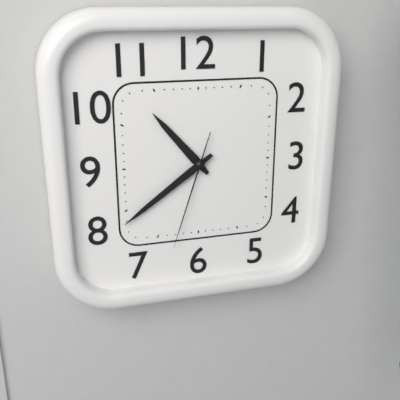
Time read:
h=10 m=39 s=33
